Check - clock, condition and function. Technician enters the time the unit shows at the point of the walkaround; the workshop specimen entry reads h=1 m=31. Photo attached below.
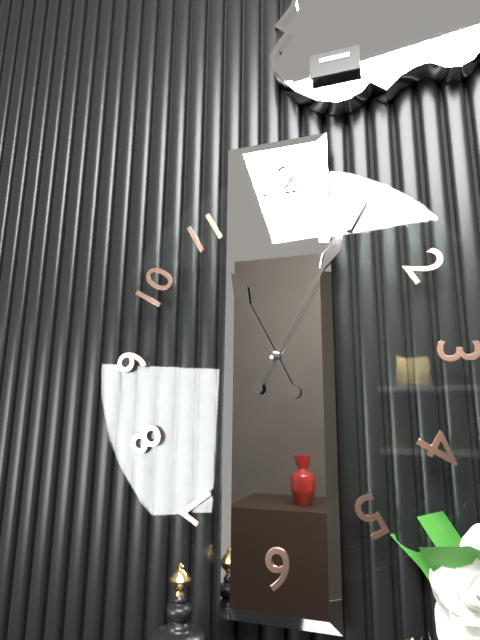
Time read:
h=11 m=5
